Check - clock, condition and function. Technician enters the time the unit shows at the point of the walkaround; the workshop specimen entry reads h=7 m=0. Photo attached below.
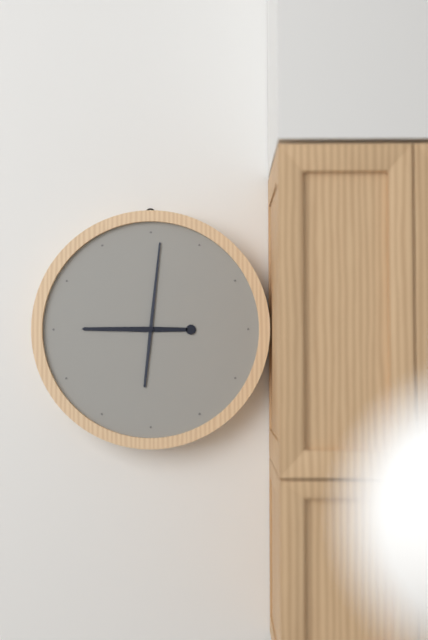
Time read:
h=9 m=1
